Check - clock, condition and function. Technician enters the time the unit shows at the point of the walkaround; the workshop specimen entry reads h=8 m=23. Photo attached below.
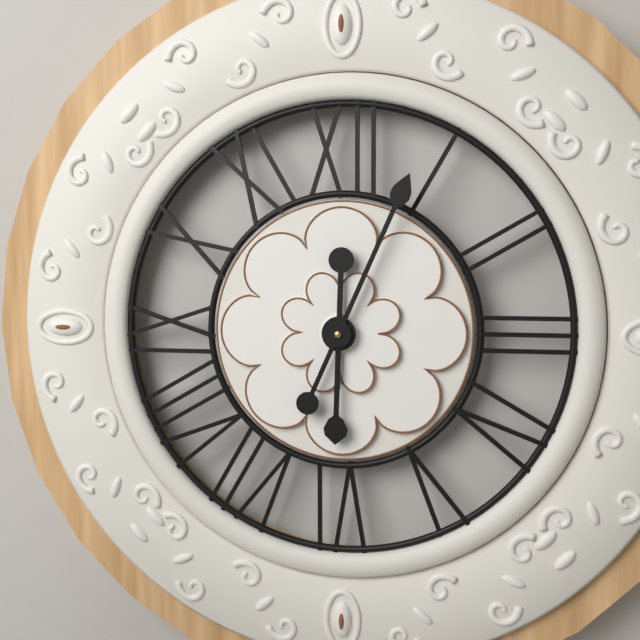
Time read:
h=6 m=4
